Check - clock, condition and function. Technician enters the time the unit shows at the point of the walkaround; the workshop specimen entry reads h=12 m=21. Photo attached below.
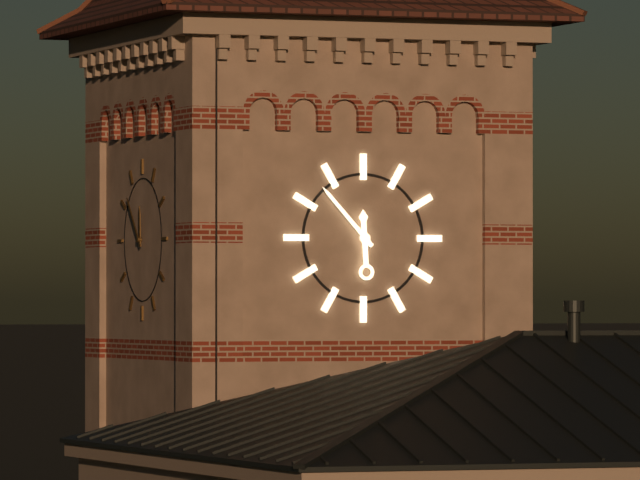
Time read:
h=11 m=53
